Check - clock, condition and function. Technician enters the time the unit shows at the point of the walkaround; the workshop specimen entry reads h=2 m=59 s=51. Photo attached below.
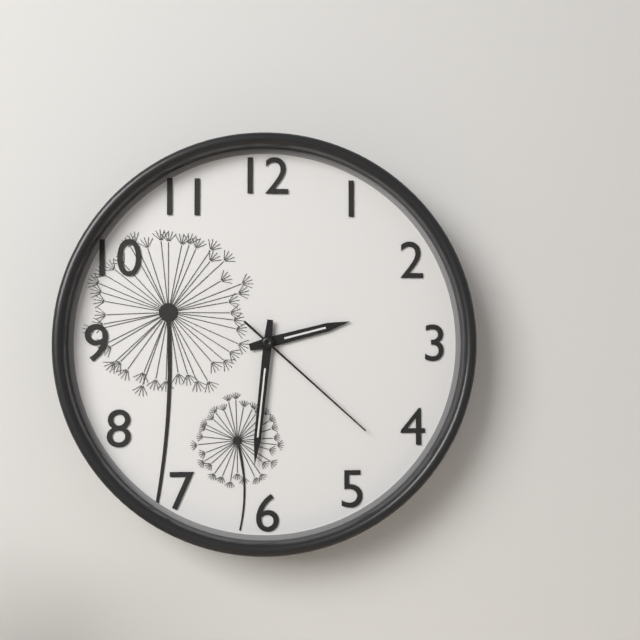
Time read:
h=2 m=31 s=22
